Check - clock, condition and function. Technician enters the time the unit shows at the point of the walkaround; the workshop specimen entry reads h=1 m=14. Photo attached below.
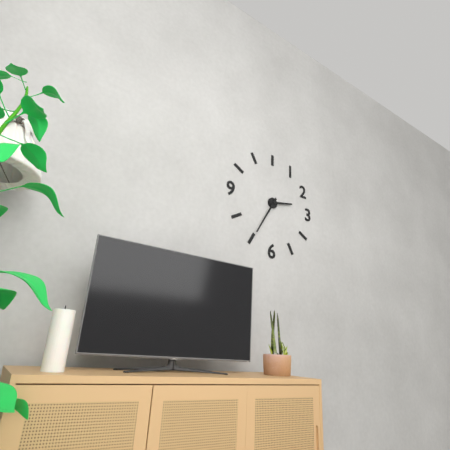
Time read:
h=2 m=35
